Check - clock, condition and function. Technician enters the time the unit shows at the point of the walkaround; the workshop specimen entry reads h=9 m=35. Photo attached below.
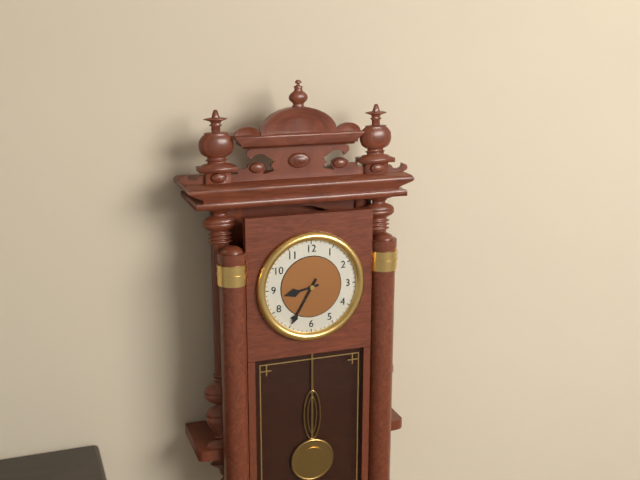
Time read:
h=8 m=35
